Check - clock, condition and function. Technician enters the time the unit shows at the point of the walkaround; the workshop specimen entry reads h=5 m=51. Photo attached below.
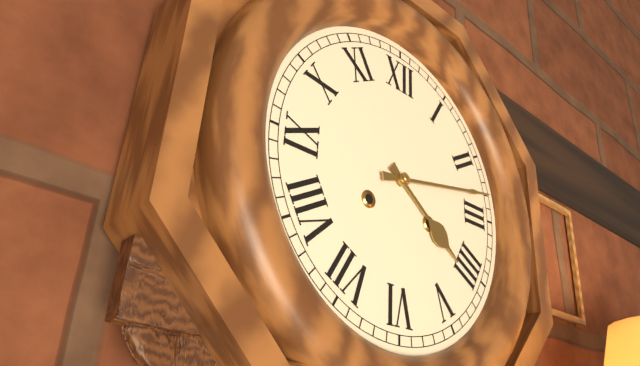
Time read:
h=4 m=13
